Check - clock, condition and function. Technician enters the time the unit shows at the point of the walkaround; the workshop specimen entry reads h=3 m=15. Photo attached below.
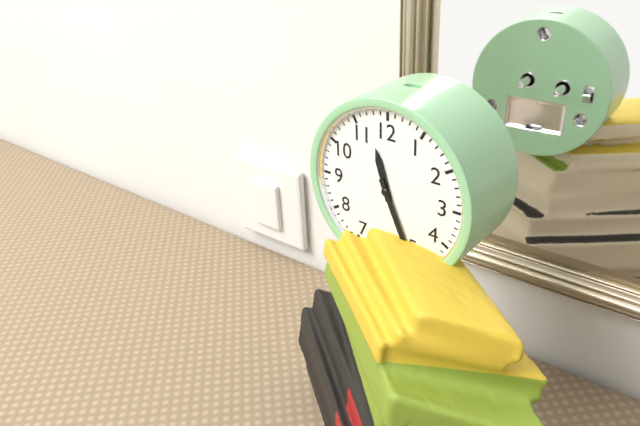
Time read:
h=11 m=26
